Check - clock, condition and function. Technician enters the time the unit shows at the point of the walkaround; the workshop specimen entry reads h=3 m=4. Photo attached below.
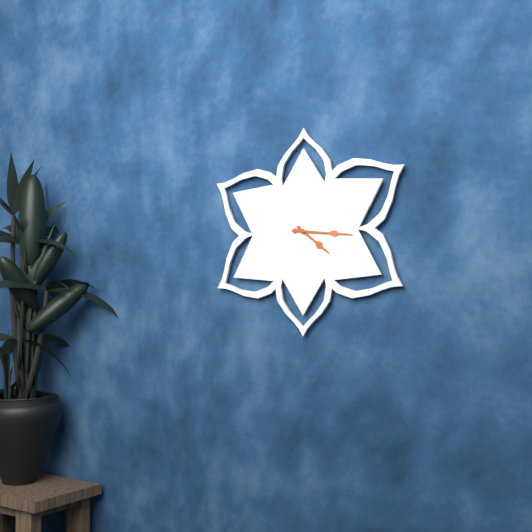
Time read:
h=4 m=16
